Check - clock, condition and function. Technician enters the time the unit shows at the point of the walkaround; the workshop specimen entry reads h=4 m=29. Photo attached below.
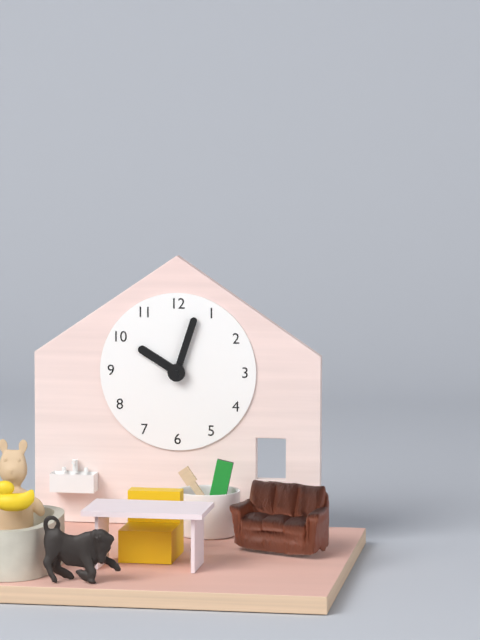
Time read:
h=10 m=3
